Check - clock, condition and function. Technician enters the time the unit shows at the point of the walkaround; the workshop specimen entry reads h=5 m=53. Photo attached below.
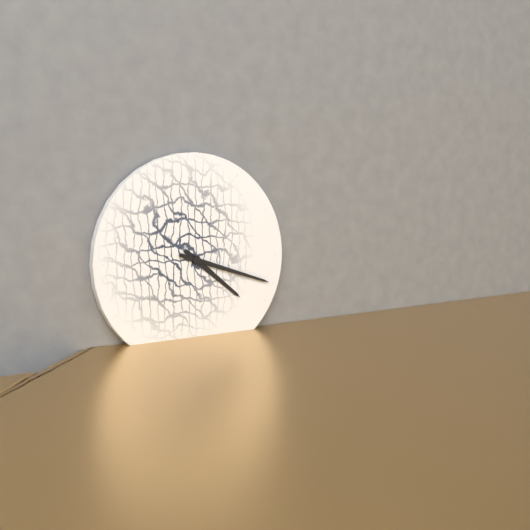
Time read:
h=4 m=18
